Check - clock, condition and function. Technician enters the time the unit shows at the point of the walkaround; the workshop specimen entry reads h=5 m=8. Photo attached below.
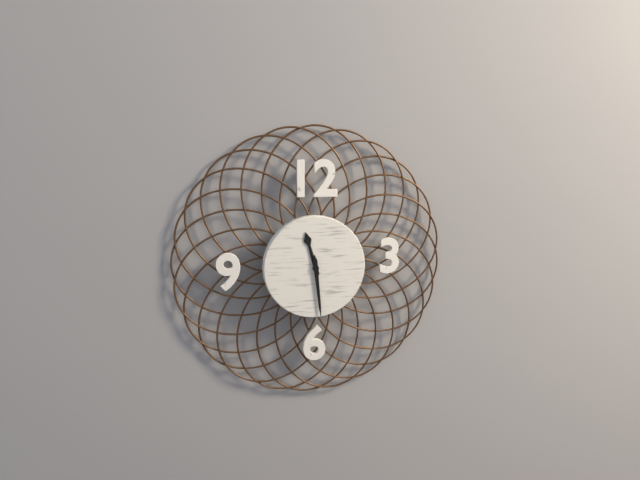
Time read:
h=11 m=29
